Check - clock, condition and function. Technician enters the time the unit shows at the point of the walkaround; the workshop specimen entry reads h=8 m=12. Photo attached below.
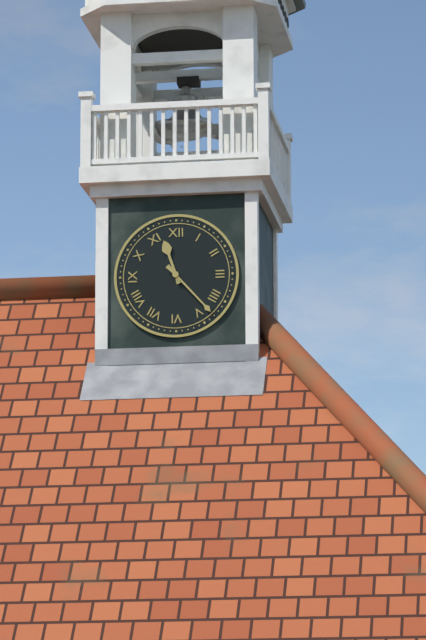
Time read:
h=11 m=23
